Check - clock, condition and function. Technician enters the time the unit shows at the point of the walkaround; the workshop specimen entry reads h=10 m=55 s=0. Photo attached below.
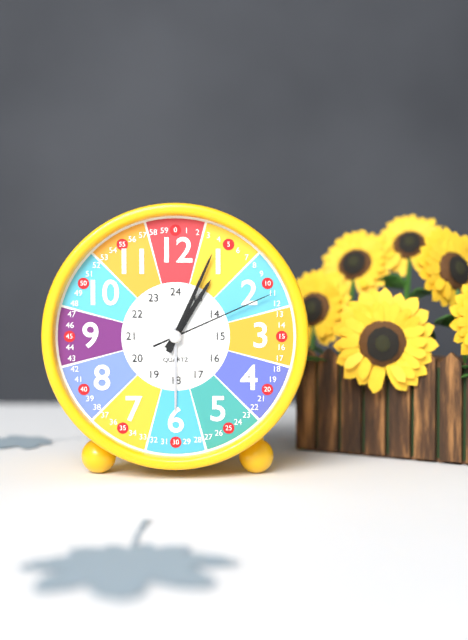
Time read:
h=1 m=4 s=11
